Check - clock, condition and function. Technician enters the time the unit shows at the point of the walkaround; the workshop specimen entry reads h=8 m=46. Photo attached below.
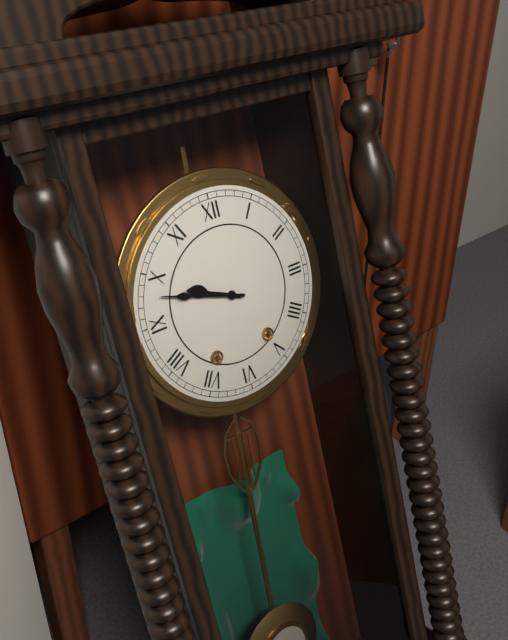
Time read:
h=9 m=48
